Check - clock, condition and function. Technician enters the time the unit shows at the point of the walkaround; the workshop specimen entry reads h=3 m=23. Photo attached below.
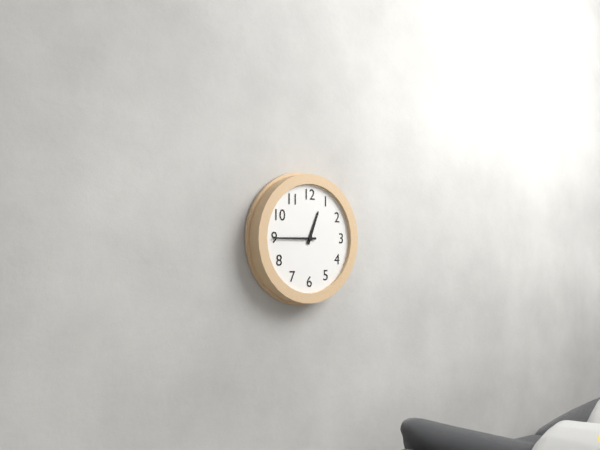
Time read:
h=12 m=45
